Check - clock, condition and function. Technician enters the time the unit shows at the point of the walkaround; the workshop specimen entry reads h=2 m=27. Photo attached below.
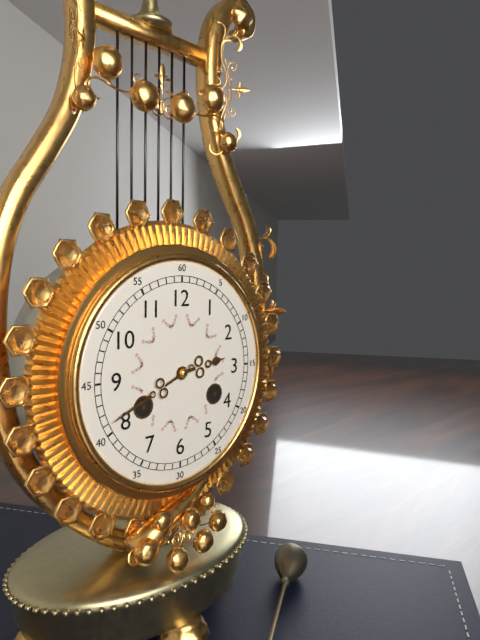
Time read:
h=2 m=41
